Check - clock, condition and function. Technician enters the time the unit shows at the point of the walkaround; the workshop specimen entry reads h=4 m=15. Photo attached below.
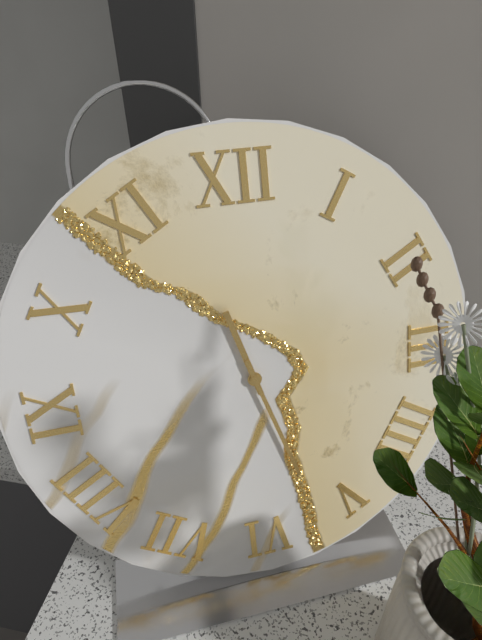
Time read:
h=11 m=27
